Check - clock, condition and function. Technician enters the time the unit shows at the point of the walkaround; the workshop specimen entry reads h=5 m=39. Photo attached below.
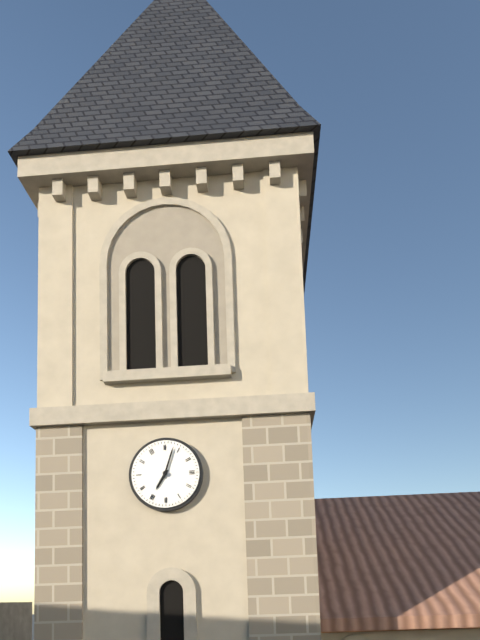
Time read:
h=7 m=3
